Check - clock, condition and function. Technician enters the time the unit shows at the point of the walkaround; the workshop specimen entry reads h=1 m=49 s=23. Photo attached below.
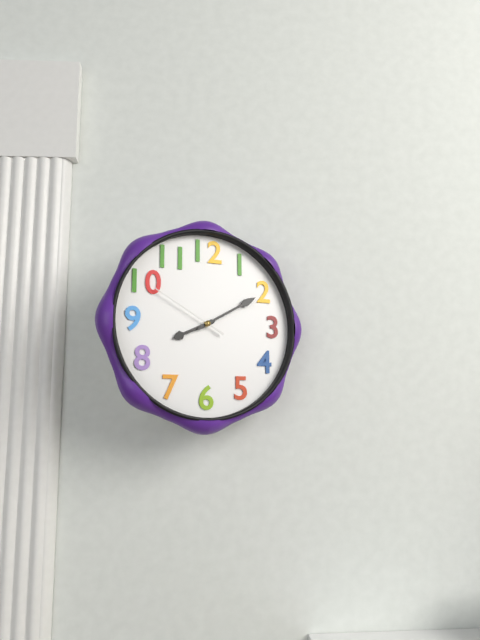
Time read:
h=8 m=10 s=50
